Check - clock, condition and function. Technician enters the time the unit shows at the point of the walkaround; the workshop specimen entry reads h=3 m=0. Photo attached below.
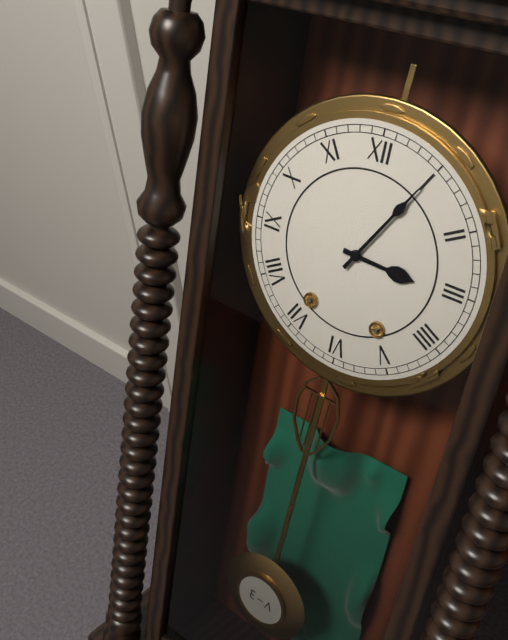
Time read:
h=3 m=5
